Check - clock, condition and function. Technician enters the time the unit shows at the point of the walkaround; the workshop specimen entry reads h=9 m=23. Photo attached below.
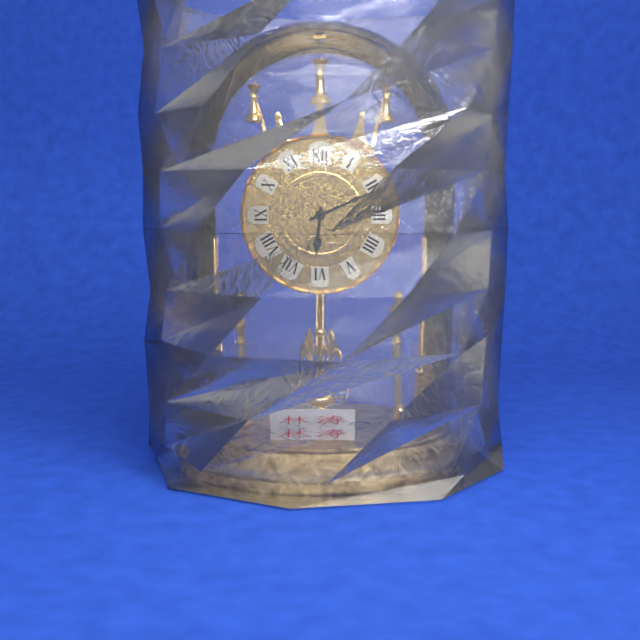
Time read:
h=6 m=11
